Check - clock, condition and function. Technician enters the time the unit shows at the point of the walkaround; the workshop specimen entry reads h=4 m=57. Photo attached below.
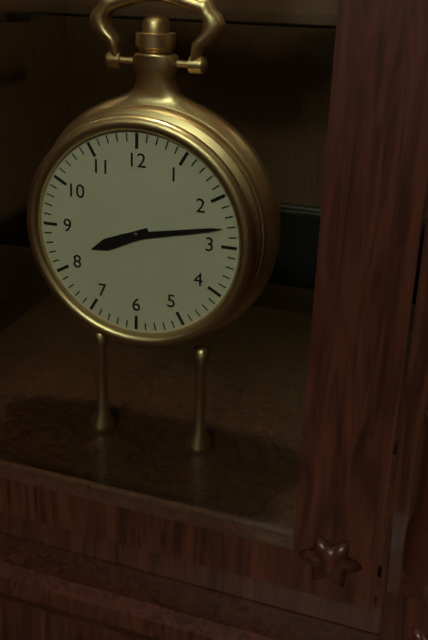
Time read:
h=8 m=13
